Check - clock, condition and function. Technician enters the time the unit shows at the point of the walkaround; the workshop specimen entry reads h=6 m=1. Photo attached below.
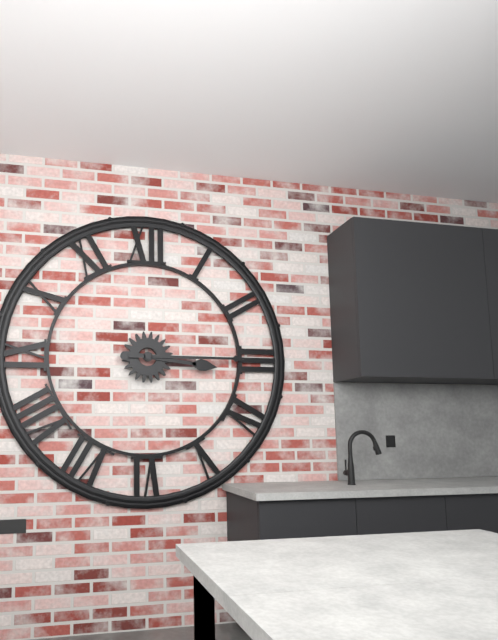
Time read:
h=3 m=15
